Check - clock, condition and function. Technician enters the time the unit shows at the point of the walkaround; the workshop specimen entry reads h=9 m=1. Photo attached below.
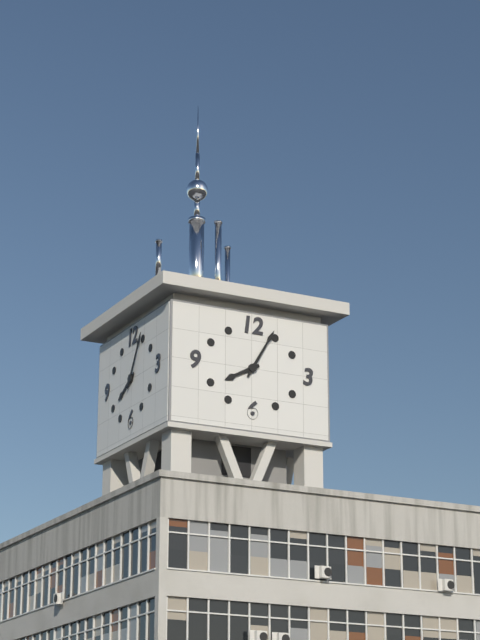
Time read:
h=8 m=5
